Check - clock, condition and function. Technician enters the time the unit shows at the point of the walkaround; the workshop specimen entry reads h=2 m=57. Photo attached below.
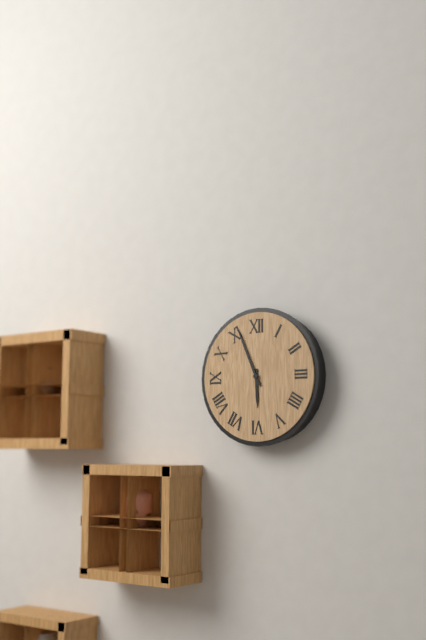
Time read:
h=5 m=56
